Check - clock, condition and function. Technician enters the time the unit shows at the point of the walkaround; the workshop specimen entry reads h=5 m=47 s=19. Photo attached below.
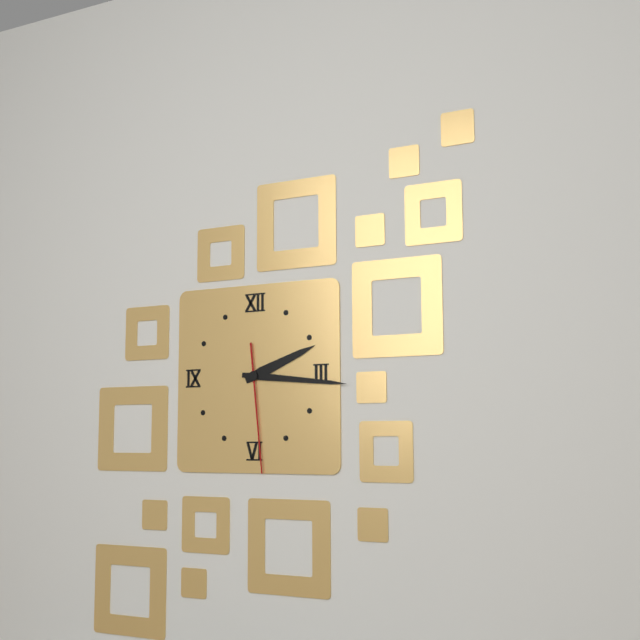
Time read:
h=2 m=16 s=29
